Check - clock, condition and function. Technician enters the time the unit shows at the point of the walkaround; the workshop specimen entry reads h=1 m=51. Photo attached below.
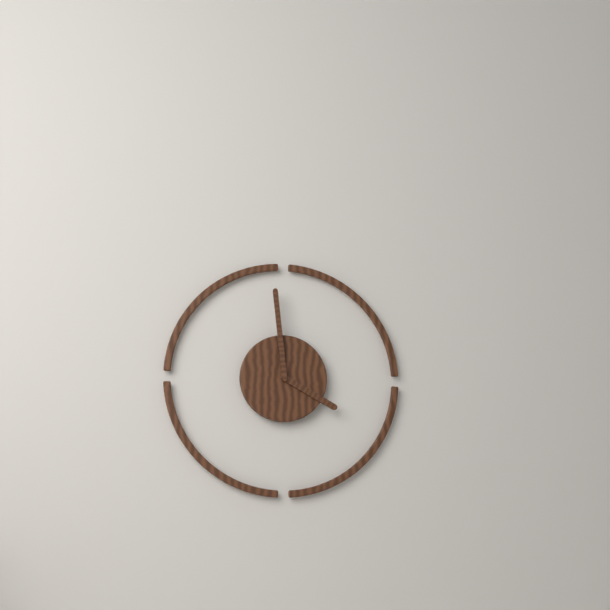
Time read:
h=3 m=59
